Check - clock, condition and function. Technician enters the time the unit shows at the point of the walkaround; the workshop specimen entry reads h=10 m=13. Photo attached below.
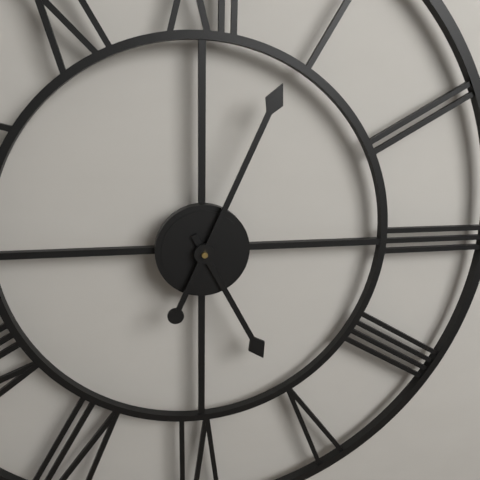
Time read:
h=5 m=4
